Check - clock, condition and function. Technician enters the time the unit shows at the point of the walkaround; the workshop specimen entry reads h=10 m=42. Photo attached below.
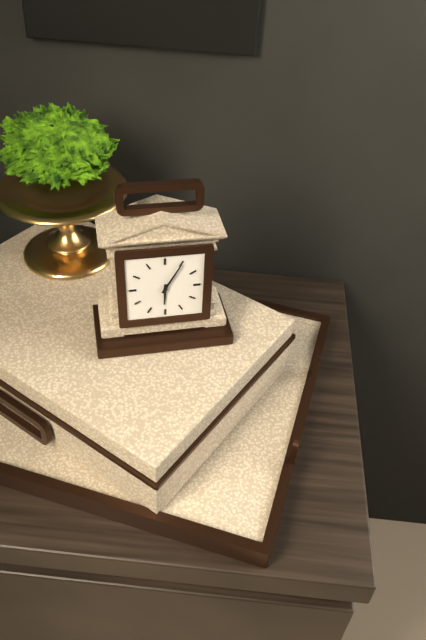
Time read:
h=6 m=5
